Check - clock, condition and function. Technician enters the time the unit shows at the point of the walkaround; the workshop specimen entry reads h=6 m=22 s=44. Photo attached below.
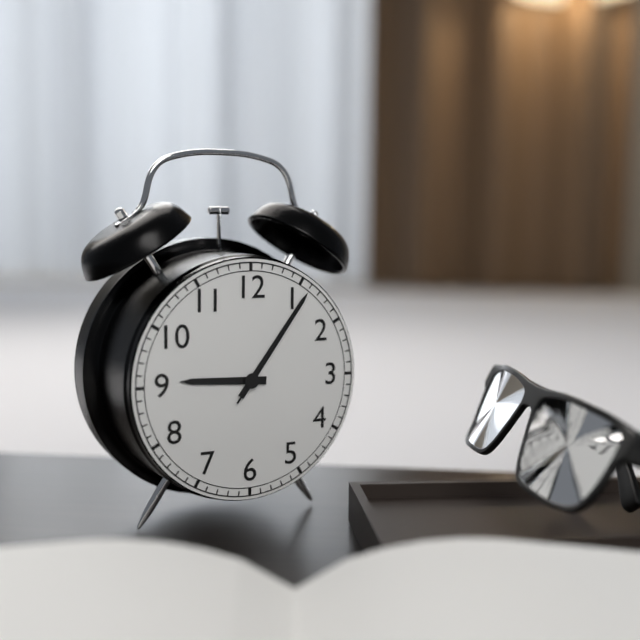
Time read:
h=9 m=6 s=6
